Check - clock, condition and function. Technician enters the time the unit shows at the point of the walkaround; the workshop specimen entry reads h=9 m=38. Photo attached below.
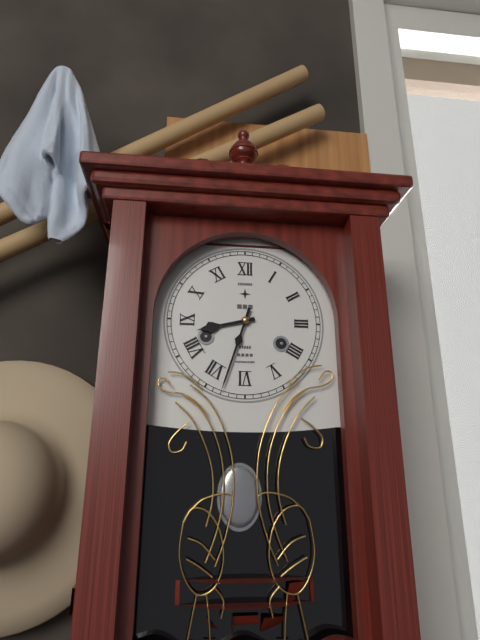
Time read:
h=8 m=33
